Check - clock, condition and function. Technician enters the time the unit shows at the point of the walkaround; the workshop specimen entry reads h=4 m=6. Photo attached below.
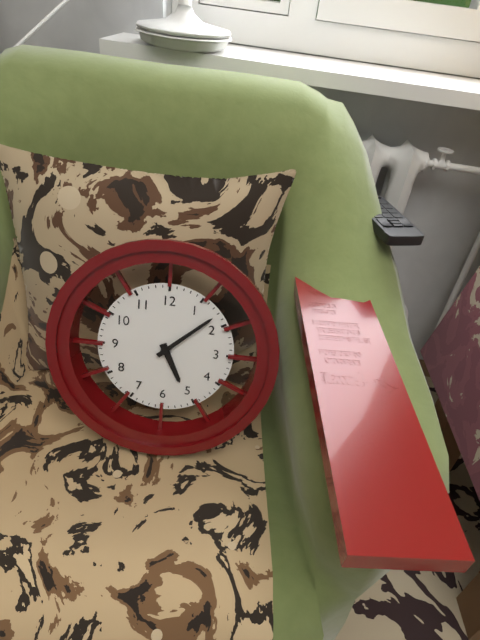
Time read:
h=5 m=8
